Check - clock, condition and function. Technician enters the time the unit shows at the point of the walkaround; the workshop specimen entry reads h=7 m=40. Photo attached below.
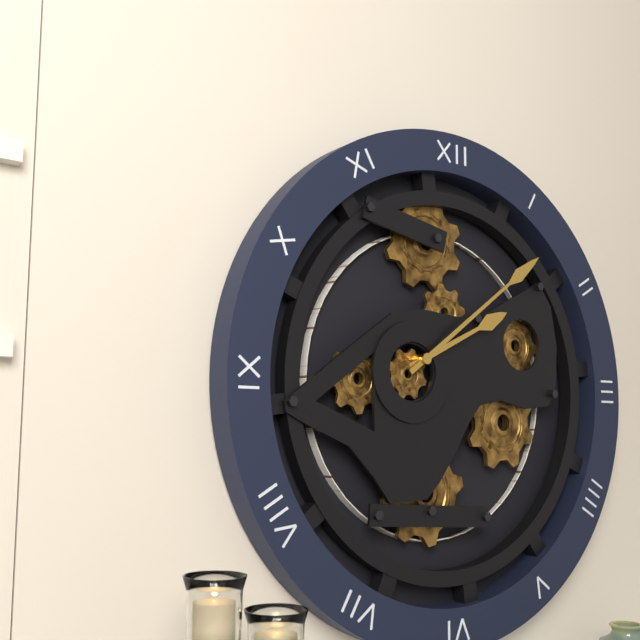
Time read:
h=2 m=9
